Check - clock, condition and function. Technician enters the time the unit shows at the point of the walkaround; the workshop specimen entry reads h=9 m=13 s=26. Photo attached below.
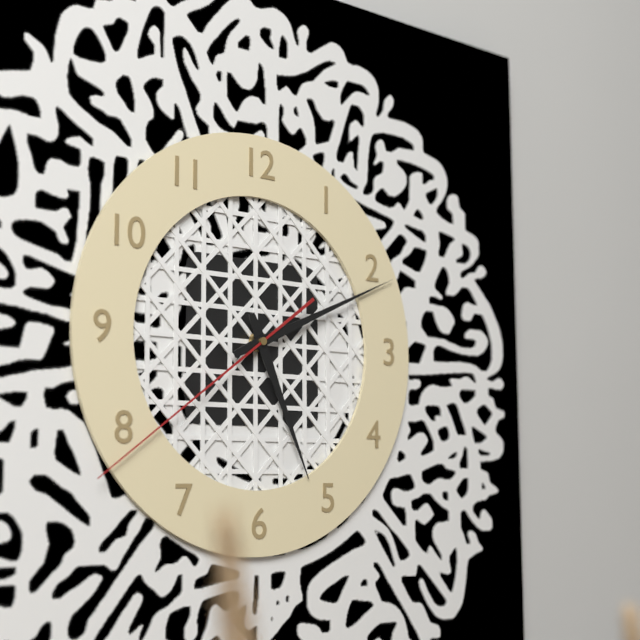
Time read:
h=5 m=11 s=39
